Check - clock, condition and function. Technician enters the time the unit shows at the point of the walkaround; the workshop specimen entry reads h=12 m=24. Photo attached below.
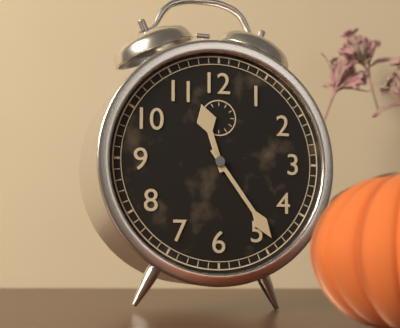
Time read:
h=11 m=24
